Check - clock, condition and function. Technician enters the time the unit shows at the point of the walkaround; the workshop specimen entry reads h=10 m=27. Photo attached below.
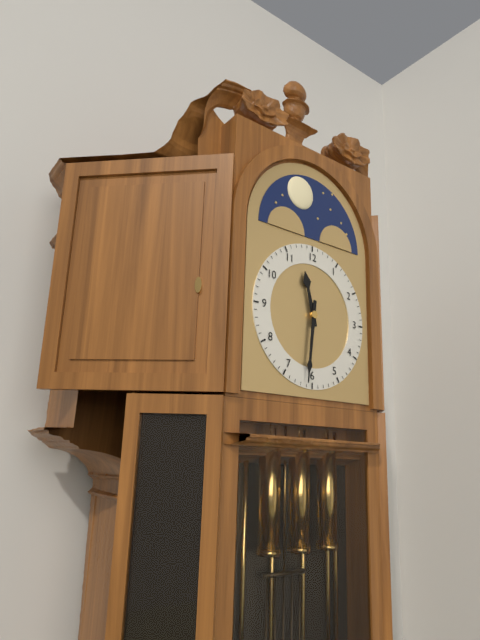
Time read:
h=11 m=31
